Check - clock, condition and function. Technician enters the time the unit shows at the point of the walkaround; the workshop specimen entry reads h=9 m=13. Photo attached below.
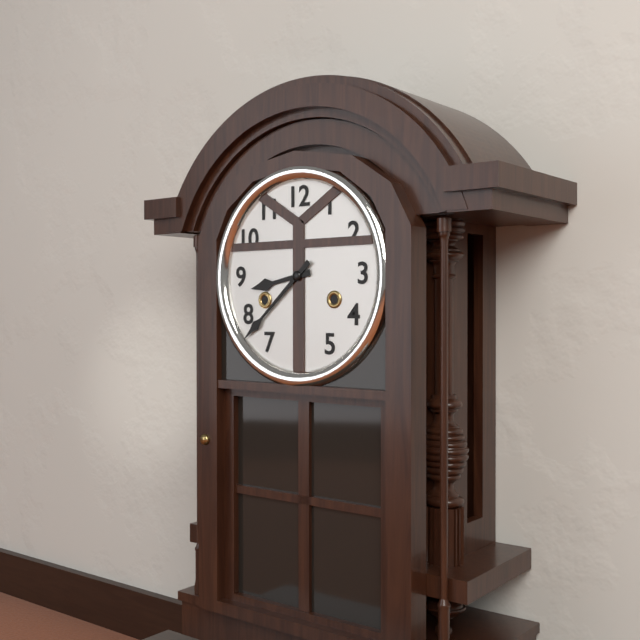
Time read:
h=8 m=38
